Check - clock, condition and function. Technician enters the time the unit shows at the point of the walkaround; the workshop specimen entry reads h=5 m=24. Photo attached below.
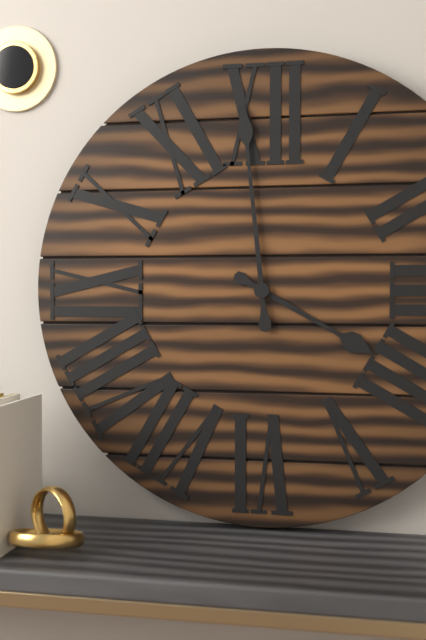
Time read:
h=3 m=59
